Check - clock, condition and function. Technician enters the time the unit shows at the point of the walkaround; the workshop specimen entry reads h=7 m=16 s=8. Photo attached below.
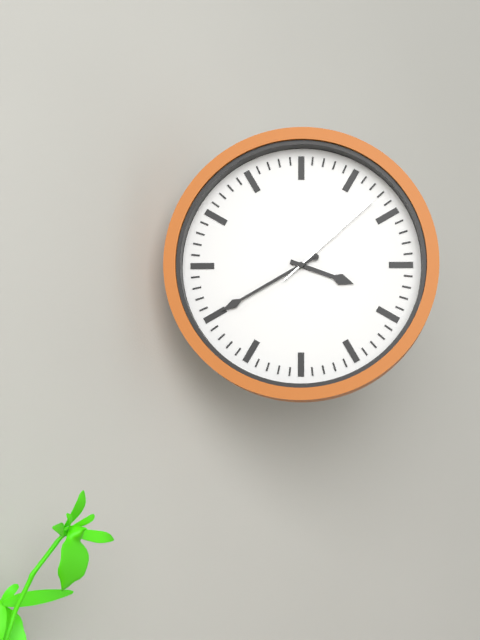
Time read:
h=3 m=40 s=8
